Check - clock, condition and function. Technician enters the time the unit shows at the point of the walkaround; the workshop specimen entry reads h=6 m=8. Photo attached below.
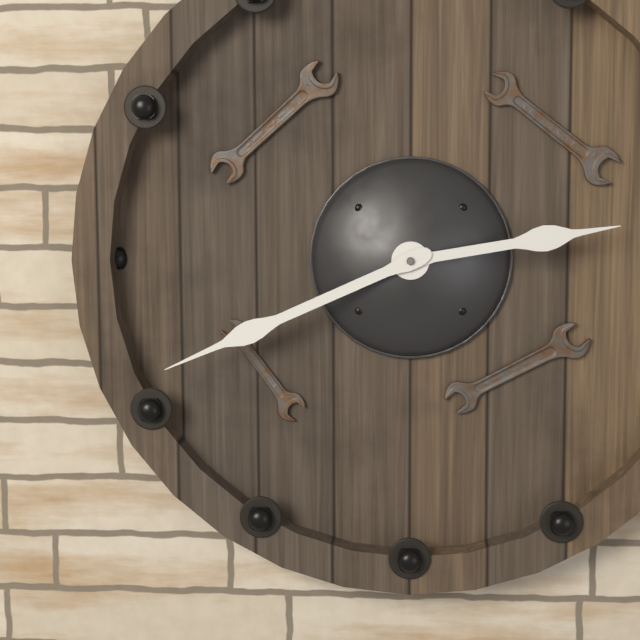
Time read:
h=2 m=41
